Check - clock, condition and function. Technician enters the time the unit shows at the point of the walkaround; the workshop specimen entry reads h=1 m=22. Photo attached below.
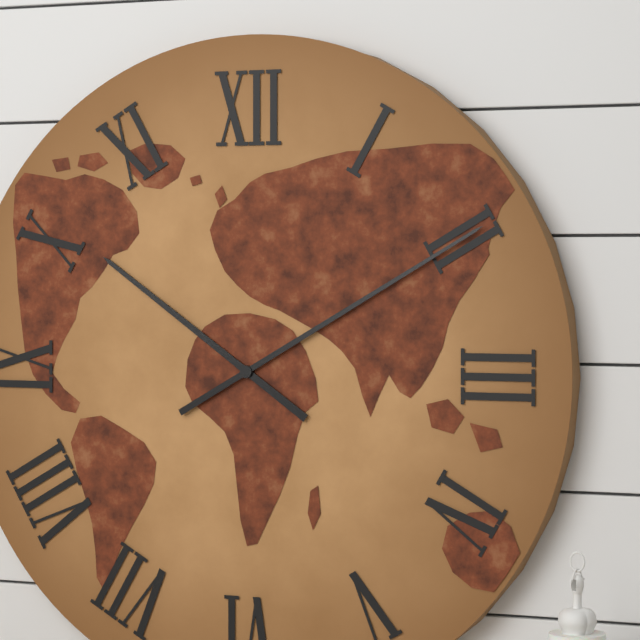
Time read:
h=10 m=10
